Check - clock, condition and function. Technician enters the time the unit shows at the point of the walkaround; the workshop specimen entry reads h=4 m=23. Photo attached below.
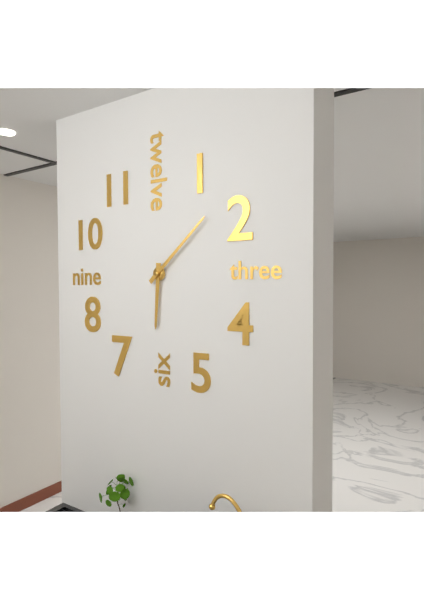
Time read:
h=6 m=8
